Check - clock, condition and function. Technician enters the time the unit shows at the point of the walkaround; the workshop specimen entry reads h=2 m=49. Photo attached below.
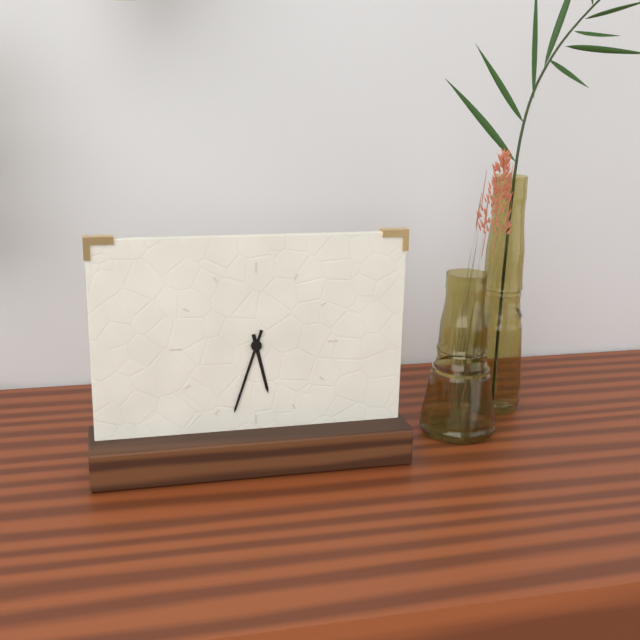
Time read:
h=5 m=33
